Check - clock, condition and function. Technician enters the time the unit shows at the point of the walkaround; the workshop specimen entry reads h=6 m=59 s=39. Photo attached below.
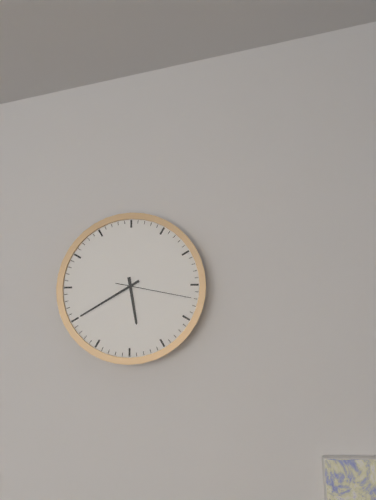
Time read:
h=5 m=40 s=17
